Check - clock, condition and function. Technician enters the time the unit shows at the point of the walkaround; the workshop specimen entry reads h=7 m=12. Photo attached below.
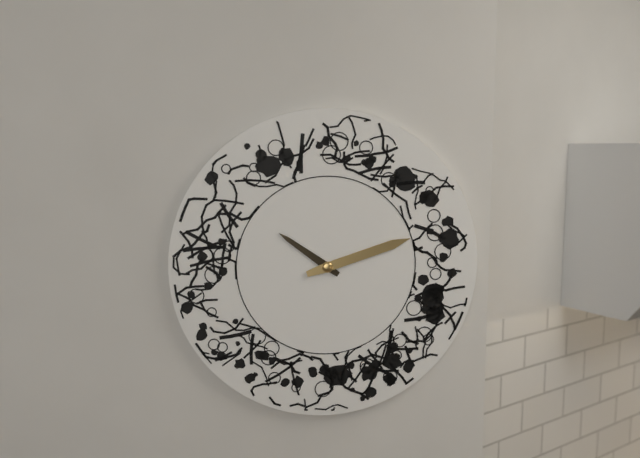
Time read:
h=10 m=12
